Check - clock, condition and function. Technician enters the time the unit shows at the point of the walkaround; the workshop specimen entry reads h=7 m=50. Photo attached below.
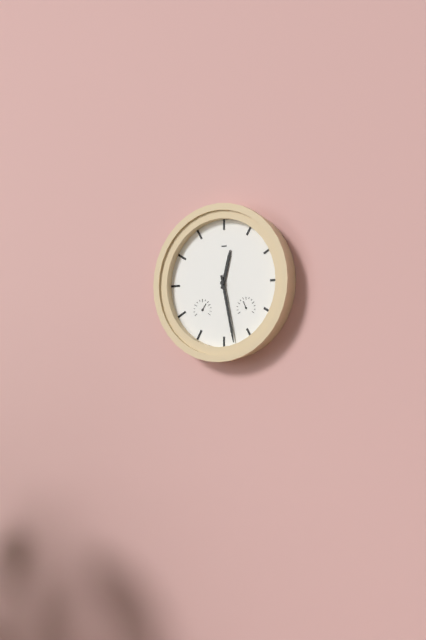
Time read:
h=12 m=28
